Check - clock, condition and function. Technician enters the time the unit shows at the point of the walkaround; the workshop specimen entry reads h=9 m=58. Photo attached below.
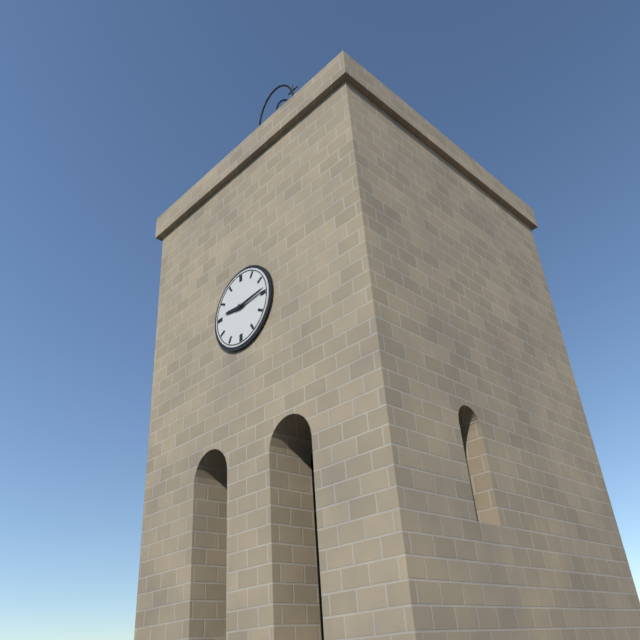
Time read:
h=9 m=14
